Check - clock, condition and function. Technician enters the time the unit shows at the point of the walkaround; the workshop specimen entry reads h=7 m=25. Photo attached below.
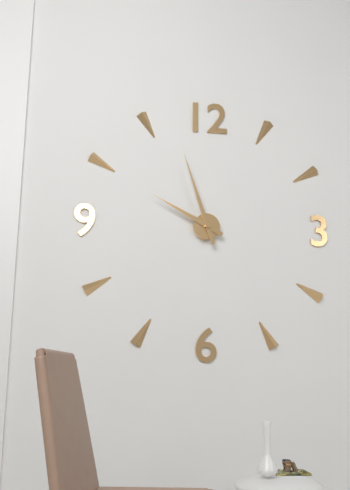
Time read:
h=9 m=57
